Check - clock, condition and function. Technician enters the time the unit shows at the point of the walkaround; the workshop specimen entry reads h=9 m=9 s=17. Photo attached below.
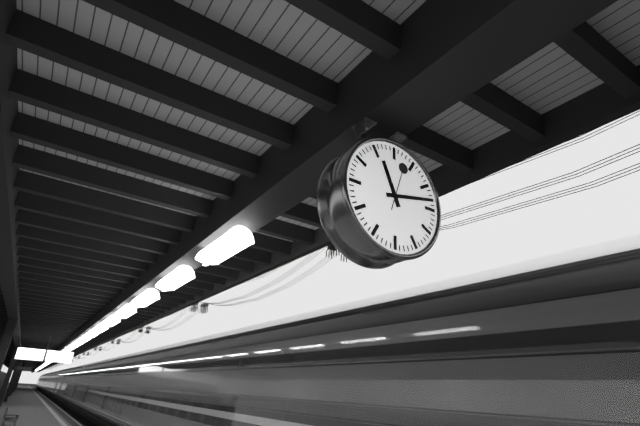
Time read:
h=11 m=13 s=3
